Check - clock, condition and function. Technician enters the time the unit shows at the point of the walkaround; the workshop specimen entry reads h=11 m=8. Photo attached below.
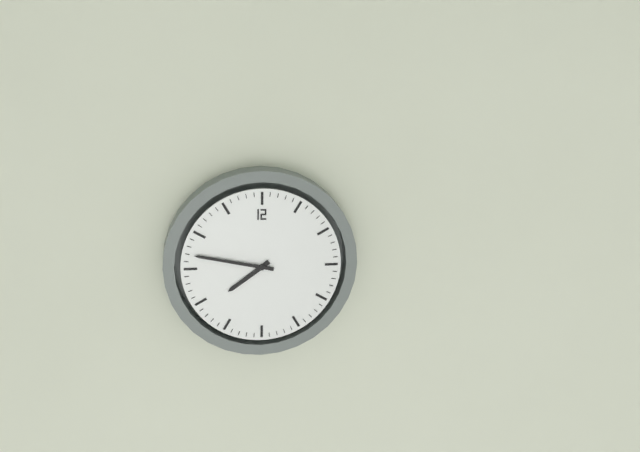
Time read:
h=7 m=47
